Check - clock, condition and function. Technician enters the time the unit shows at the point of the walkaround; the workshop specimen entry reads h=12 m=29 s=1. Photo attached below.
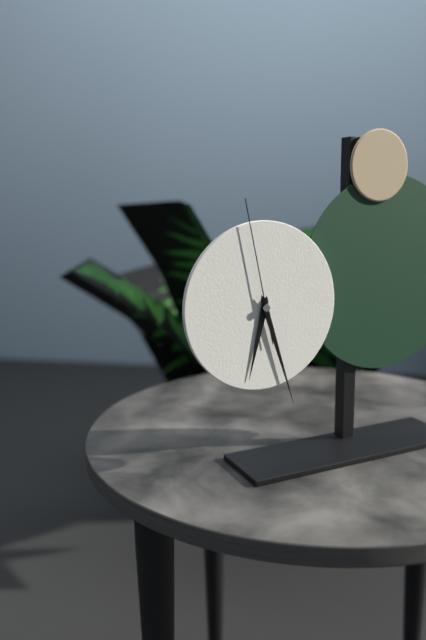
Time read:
h=6 m=27 s=58
